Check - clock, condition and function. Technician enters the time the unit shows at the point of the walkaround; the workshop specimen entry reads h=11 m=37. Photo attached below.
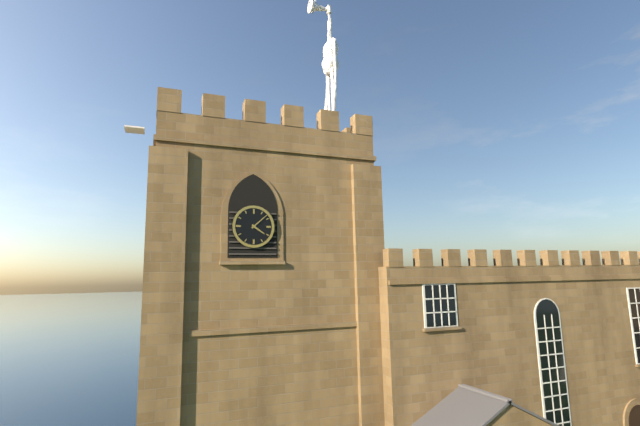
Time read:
h=4 m=8
